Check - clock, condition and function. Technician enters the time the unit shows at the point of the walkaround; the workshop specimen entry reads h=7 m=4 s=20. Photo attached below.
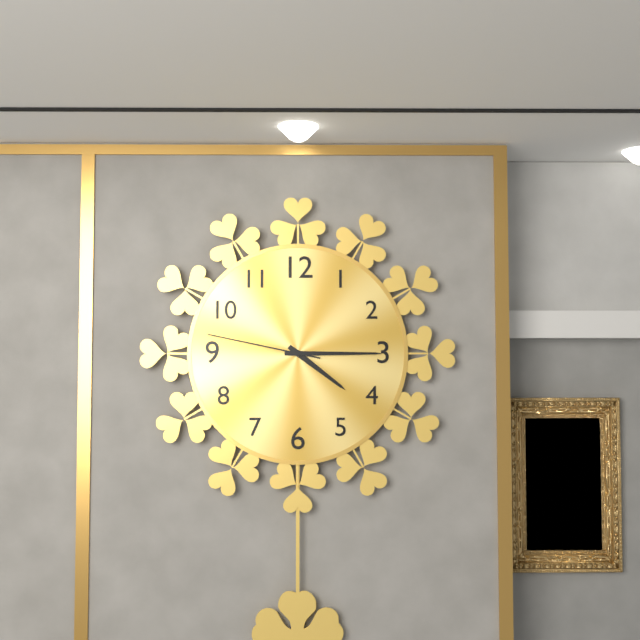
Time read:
h=4 m=15 s=47
